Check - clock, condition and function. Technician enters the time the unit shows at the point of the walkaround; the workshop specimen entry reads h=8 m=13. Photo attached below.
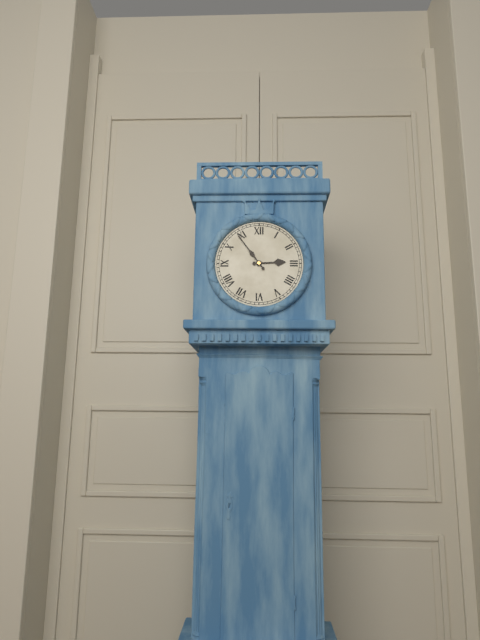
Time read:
h=2 m=54
